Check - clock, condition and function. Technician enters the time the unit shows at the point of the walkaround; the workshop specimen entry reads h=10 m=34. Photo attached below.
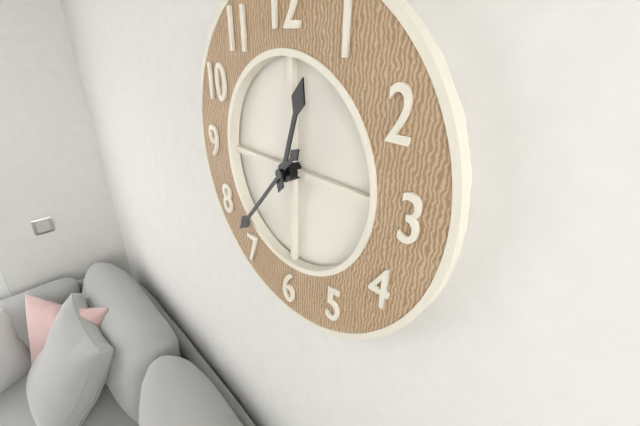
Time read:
h=12 m=37
